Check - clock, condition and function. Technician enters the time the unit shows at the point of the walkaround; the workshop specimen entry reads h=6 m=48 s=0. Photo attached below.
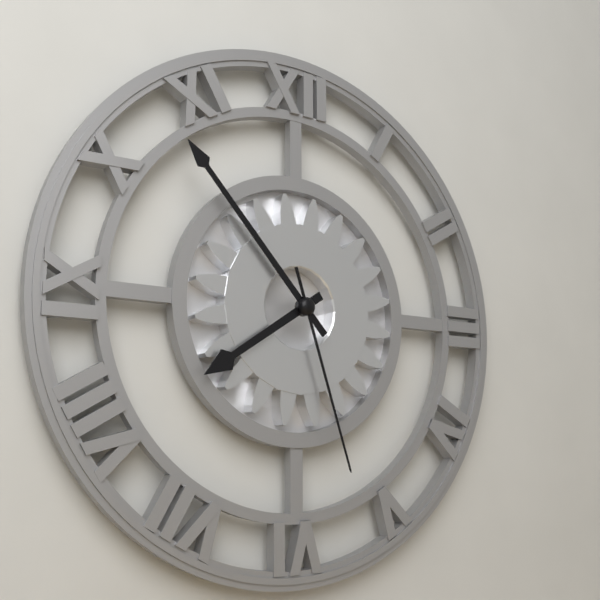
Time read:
h=7 m=53 s=27
